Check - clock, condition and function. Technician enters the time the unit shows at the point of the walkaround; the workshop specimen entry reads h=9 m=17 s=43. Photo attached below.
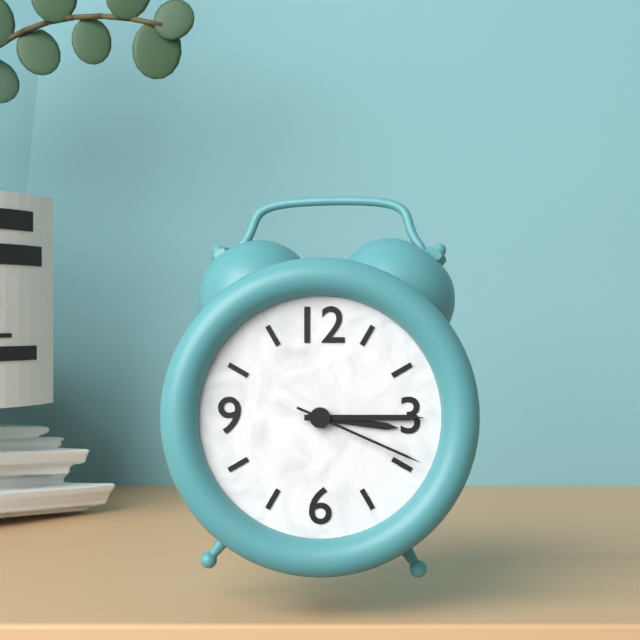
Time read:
h=3 m=15 s=19
